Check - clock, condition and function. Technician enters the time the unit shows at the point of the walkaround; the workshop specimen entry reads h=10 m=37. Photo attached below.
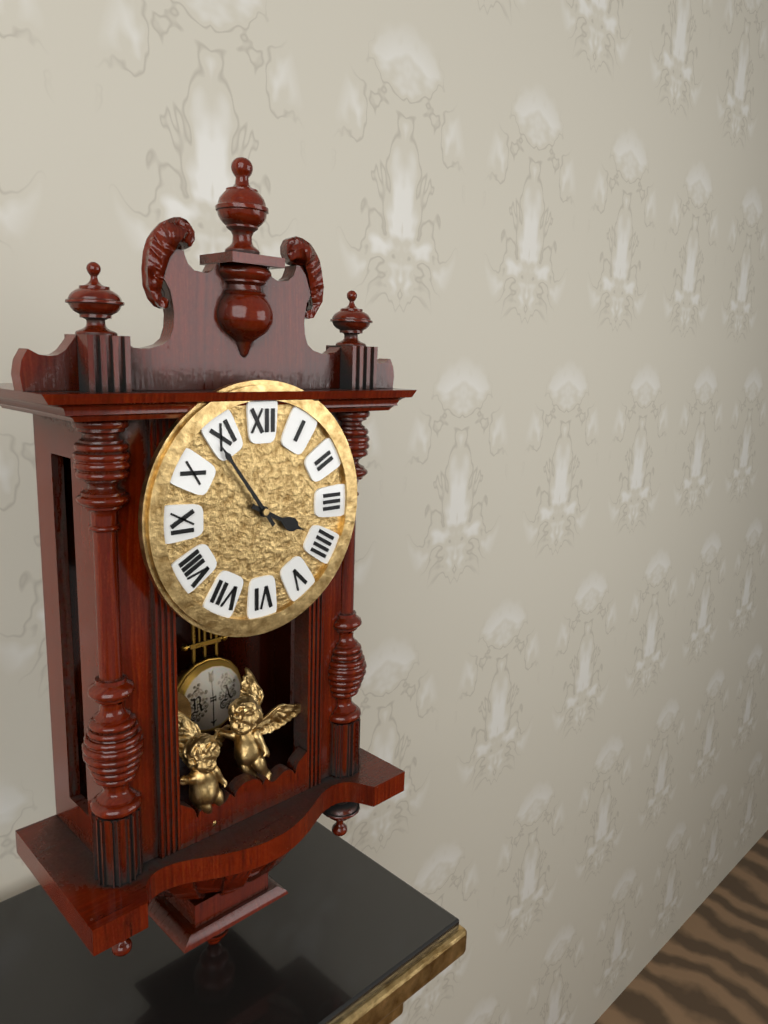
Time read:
h=3 m=54
